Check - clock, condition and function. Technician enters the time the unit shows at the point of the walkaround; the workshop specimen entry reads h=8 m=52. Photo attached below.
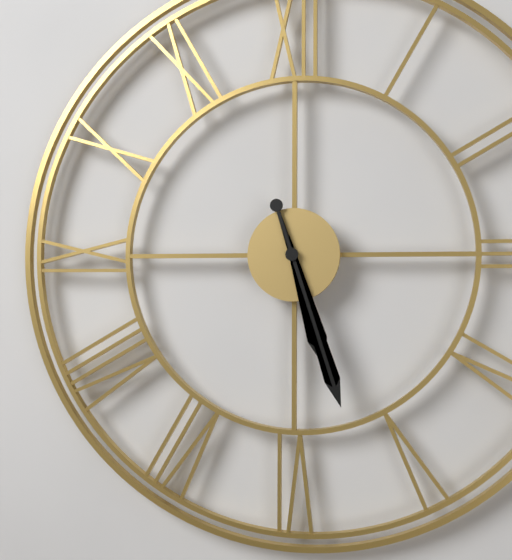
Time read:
h=5 m=27
